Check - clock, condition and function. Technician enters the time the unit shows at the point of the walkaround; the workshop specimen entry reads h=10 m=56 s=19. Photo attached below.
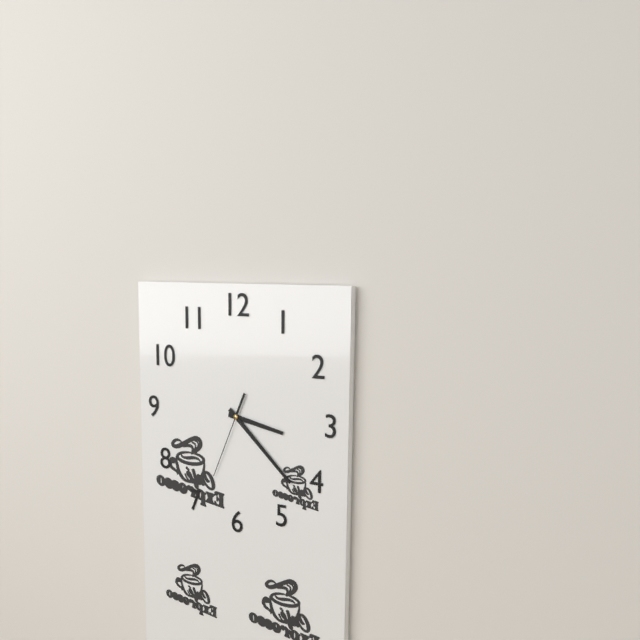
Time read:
h=3 m=22 s=34
